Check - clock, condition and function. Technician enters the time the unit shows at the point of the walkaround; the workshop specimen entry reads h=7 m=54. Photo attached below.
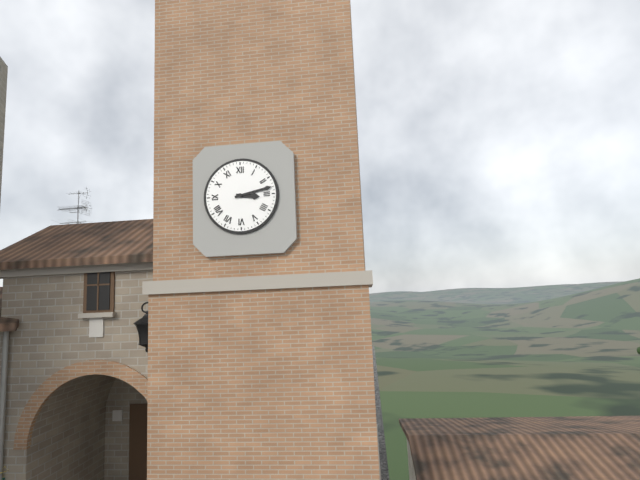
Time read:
h=3 m=13
